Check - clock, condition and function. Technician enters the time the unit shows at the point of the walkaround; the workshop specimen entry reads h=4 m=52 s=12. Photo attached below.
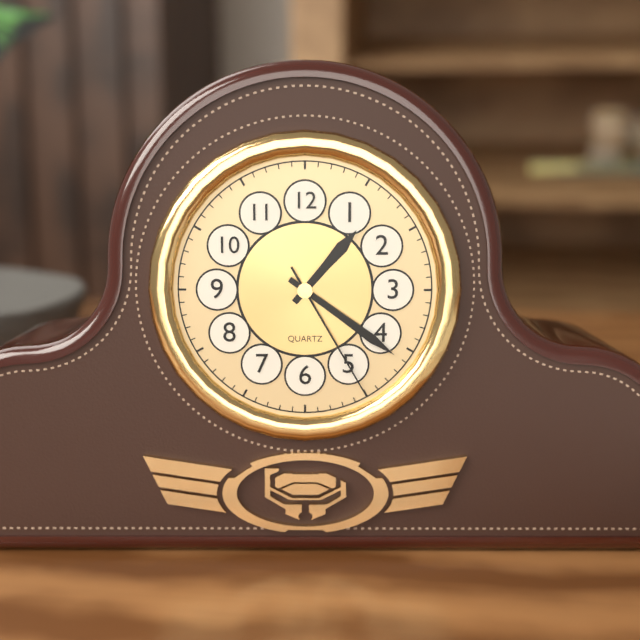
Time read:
h=1 m=21 s=25
